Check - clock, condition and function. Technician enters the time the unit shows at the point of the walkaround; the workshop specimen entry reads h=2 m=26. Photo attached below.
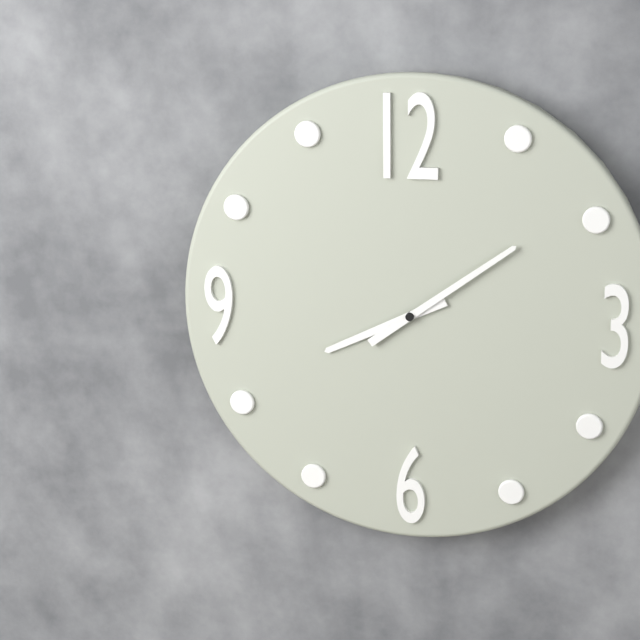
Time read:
h=8 m=9
